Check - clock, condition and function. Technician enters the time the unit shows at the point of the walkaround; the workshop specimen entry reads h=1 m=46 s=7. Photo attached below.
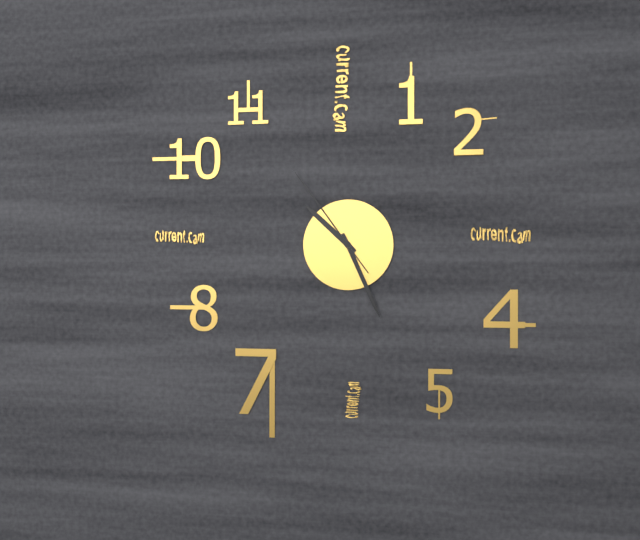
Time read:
h=10 m=26 s=54
